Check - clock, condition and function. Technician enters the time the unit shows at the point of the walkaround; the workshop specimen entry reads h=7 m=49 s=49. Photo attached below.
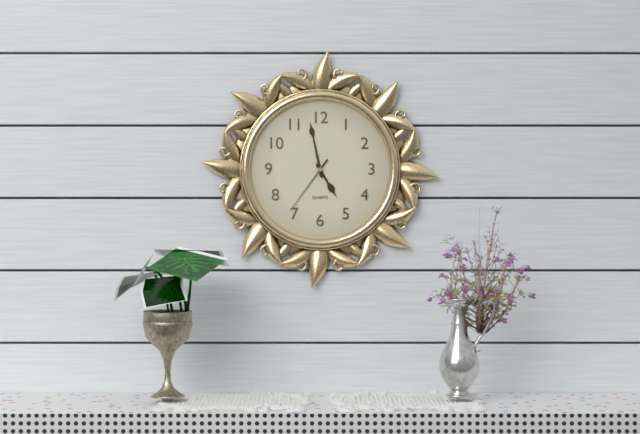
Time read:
h=4 m=58 s=36
